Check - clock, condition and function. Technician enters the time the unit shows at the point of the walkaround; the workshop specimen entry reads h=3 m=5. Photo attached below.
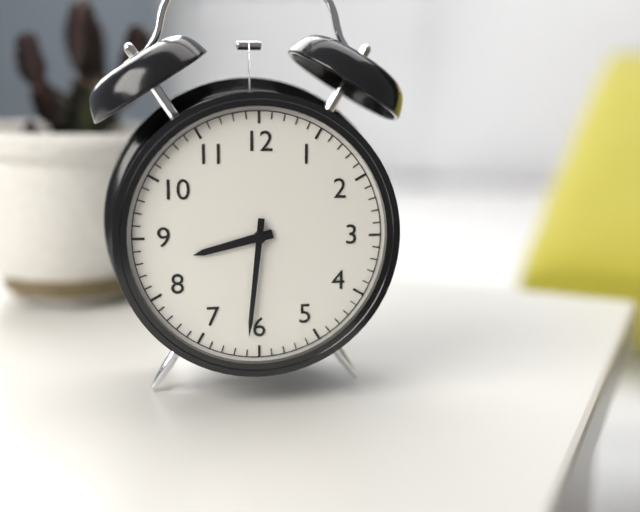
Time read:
h=8 m=31
